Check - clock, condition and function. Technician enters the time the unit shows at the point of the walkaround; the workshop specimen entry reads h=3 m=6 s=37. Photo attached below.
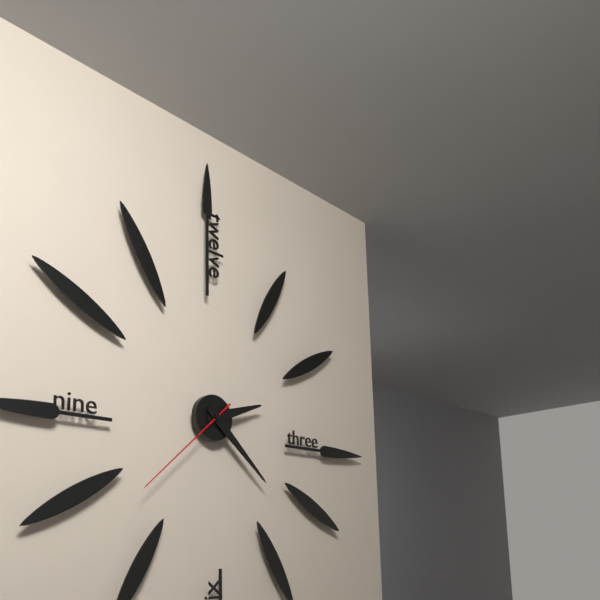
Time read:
h=2 m=22 s=38
